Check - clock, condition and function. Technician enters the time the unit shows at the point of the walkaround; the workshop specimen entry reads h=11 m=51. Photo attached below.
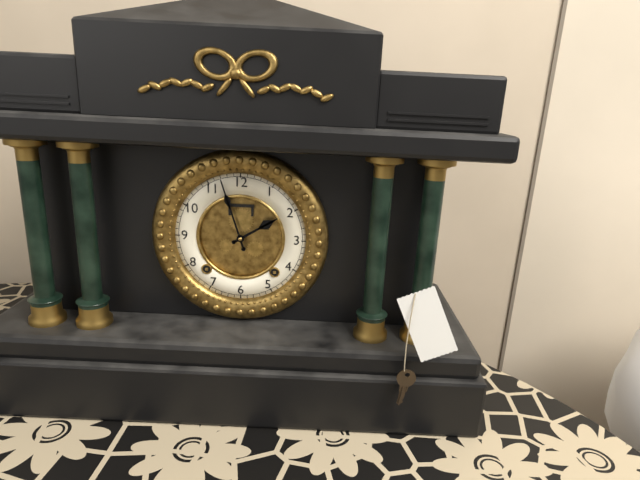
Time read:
h=1 m=57
